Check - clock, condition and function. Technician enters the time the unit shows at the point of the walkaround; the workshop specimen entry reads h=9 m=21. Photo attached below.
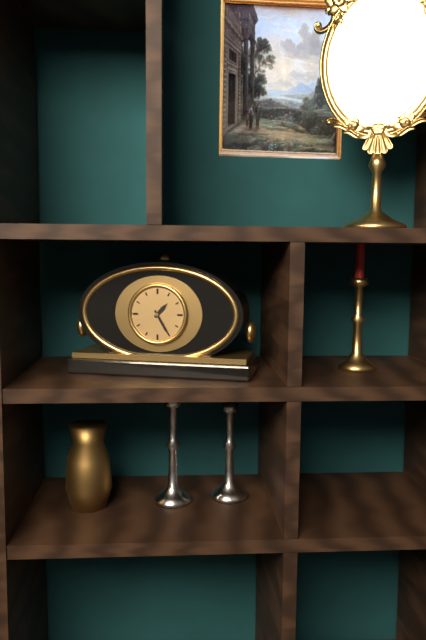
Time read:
h=1 m=25
